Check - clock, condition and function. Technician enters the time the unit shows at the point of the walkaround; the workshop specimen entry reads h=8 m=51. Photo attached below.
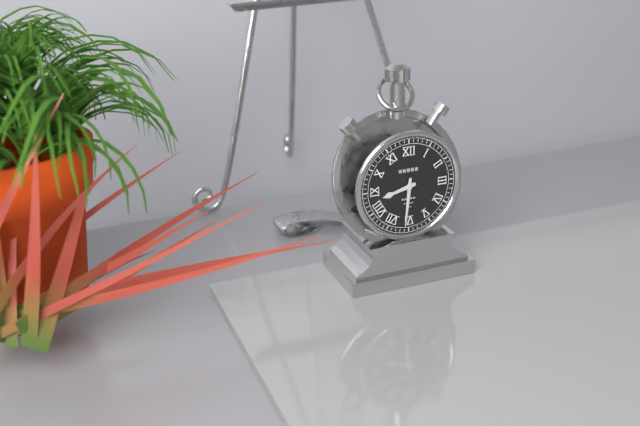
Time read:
h=8 m=31
